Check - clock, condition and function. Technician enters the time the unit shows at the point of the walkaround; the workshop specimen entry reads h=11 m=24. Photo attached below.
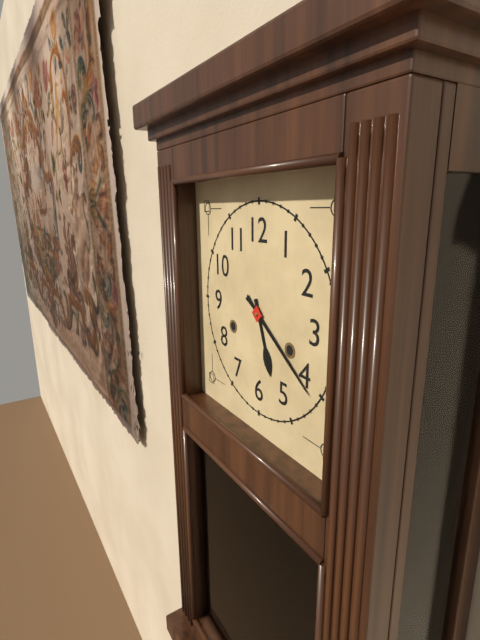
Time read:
h=5 m=21
